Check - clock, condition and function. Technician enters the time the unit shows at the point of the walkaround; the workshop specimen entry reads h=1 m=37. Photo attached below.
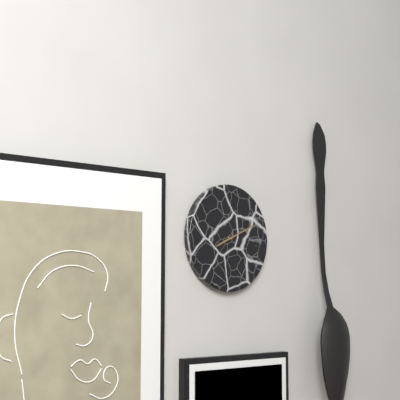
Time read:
h=8 m=11
